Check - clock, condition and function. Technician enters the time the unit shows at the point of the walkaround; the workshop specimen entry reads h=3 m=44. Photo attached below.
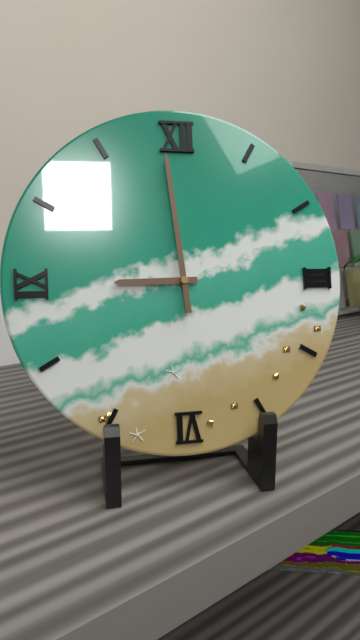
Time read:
h=8 m=59
